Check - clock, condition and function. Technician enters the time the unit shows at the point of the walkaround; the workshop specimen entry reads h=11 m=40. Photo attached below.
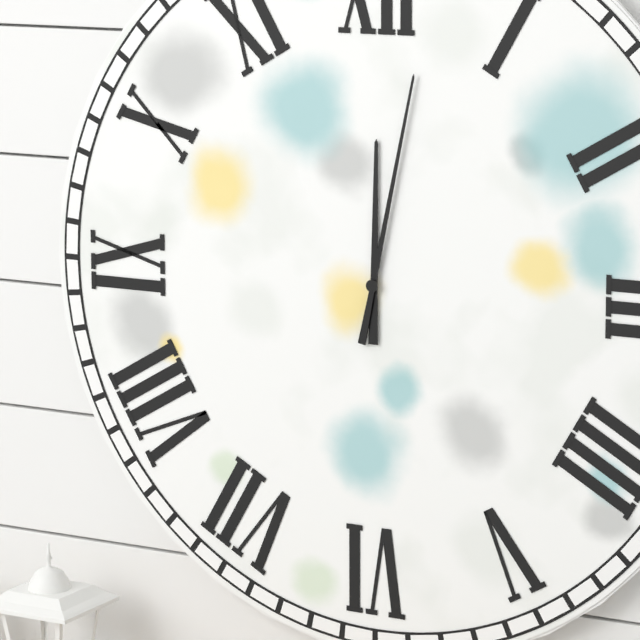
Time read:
h=12 m=2
